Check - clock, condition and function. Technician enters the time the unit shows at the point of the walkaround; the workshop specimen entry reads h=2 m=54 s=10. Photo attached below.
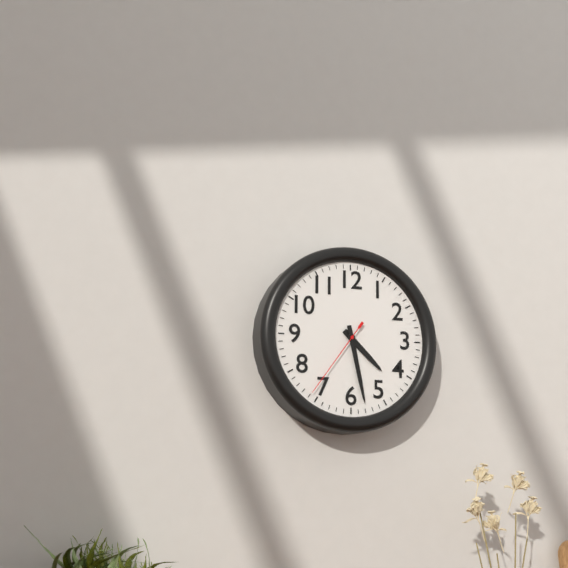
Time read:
h=4 m=28 s=36
